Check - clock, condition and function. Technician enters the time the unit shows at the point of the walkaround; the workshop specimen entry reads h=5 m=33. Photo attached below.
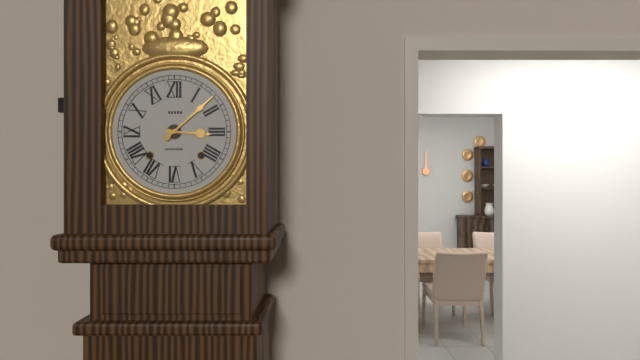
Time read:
h=3 m=8
